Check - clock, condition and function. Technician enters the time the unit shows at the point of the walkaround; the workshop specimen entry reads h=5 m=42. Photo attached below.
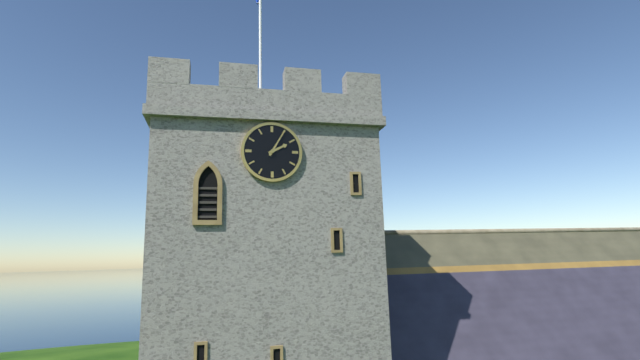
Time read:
h=2 m=5
